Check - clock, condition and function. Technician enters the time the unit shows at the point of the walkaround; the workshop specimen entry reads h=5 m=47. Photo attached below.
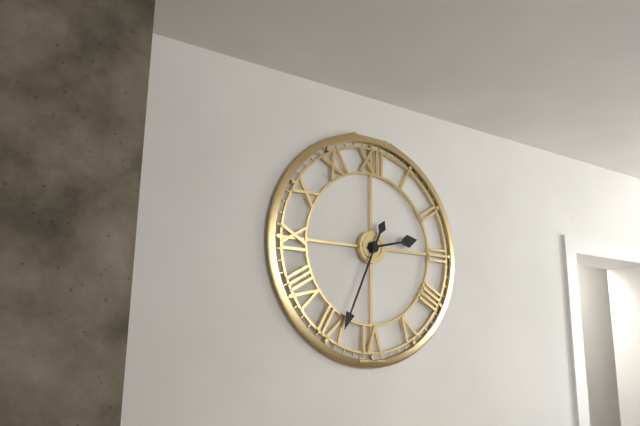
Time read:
h=2 m=34
